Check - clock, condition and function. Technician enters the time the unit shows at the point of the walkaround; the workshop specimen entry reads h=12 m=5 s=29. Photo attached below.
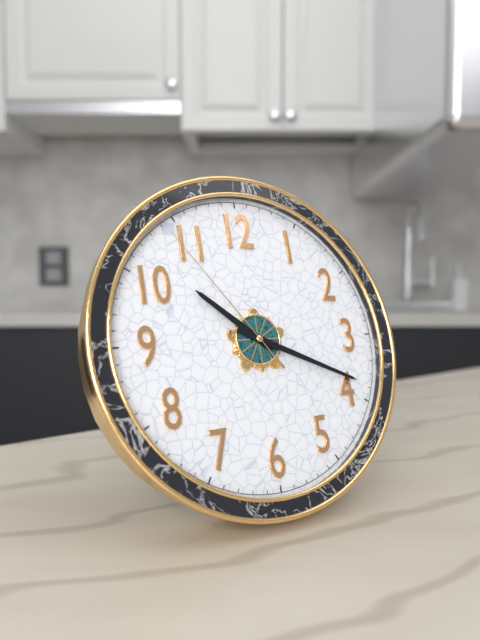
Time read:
h=10 m=19 s=54
